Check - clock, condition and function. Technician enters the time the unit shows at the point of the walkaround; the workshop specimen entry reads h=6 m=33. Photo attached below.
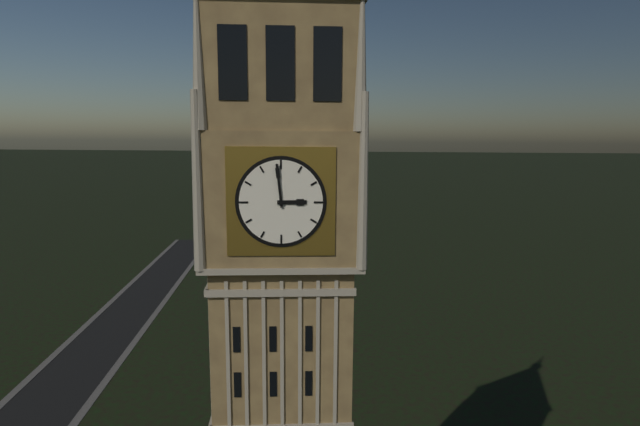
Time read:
h=2 m=59
